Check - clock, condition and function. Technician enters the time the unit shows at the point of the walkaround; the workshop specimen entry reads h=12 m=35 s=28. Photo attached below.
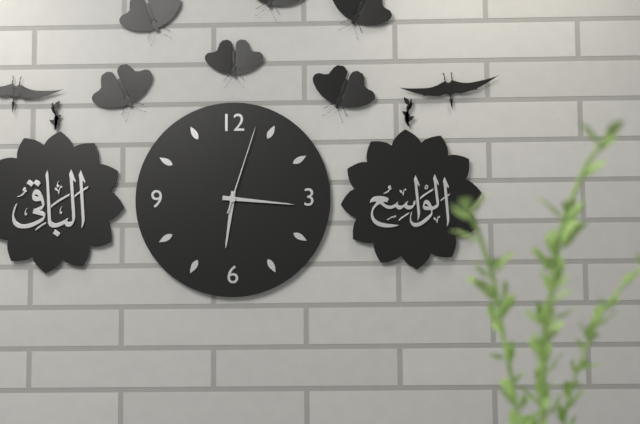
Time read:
h=6 m=16 s=3
